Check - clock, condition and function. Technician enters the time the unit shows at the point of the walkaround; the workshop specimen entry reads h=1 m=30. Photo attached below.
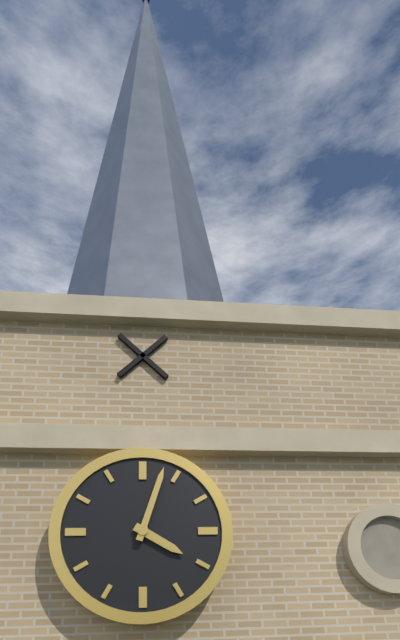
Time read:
h=4 m=3
